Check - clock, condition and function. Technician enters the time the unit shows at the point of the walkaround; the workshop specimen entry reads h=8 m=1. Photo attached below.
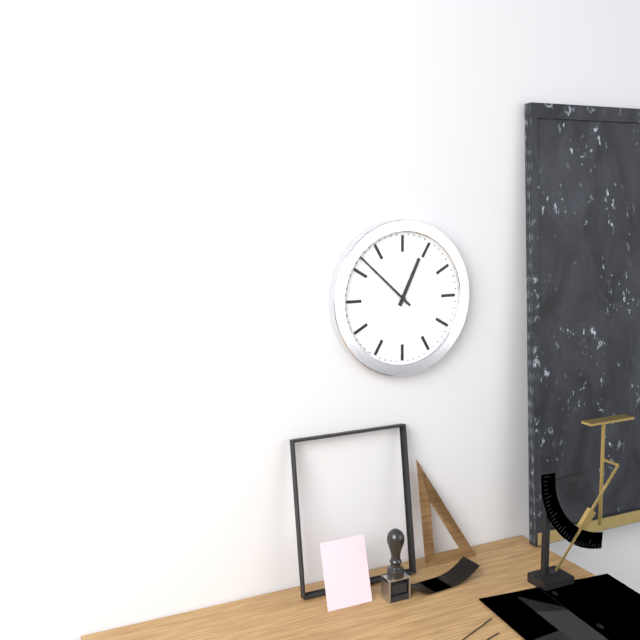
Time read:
h=12 m=52
